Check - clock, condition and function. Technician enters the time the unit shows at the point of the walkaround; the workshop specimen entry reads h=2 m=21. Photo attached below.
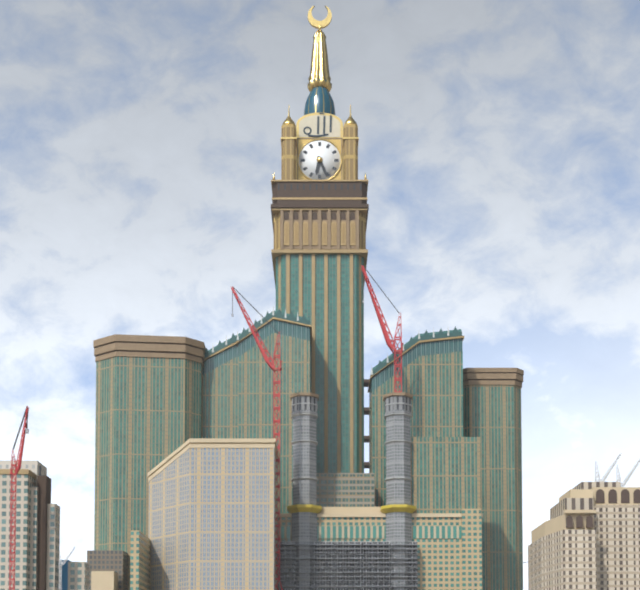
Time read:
h=6 m=26
